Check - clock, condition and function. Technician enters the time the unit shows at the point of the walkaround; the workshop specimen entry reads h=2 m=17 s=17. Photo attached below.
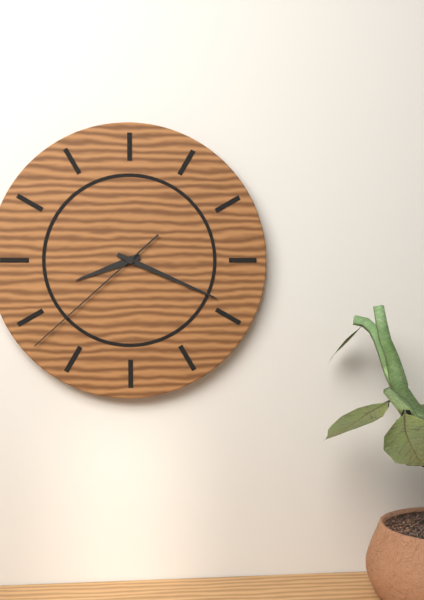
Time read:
h=8 m=19 s=38
